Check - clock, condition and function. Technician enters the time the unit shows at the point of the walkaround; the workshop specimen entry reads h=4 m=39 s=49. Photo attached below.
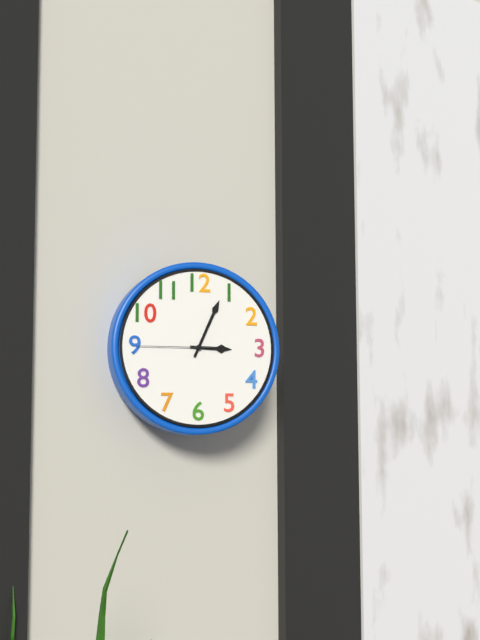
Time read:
h=3 m=4 s=45
